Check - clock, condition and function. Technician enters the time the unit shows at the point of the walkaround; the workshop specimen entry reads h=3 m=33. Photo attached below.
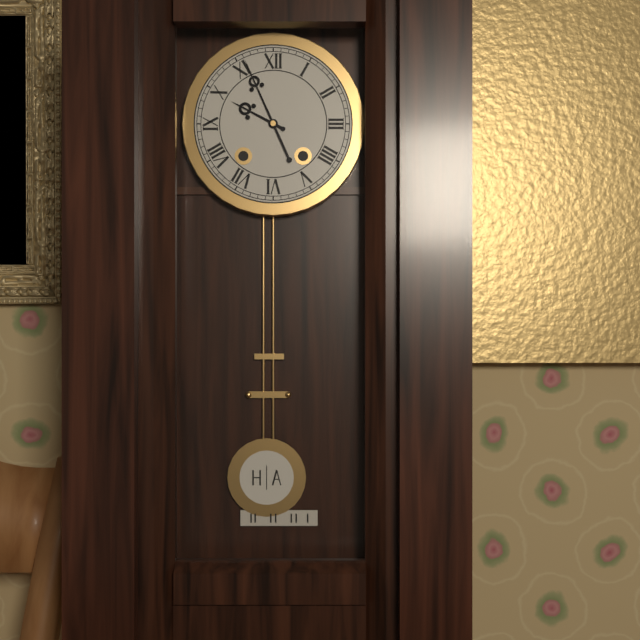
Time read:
h=9 m=56
